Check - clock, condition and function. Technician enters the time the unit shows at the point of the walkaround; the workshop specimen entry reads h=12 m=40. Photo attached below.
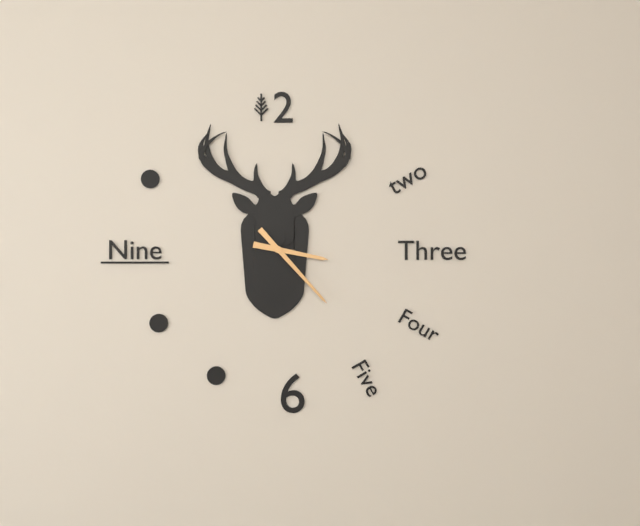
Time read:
h=3 m=23
